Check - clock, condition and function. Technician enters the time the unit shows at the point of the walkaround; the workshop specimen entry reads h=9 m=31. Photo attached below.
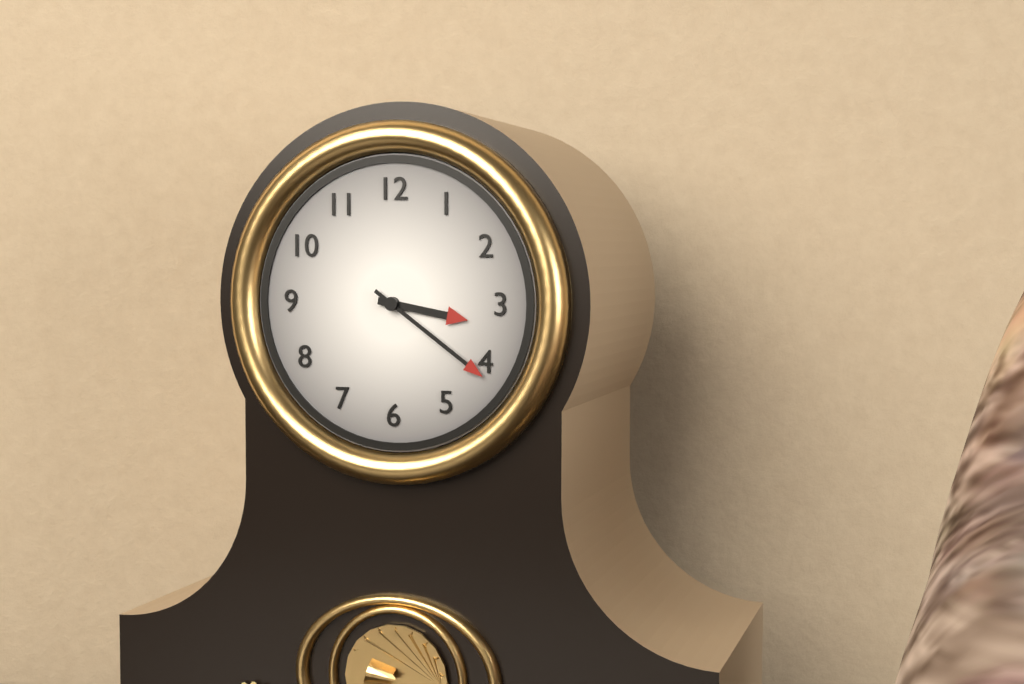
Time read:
h=3 m=21
